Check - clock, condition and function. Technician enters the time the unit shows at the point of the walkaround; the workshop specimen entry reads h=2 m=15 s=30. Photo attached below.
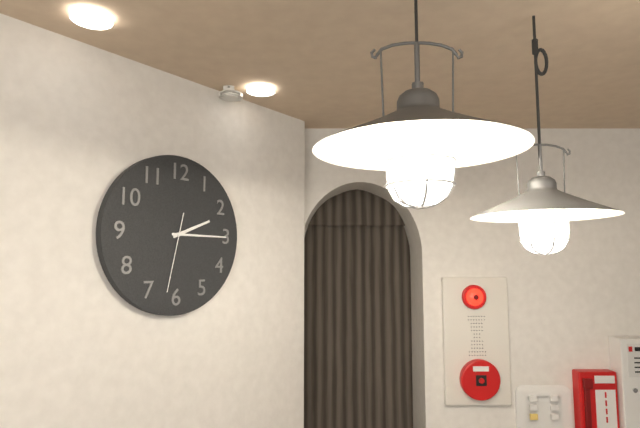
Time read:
h=2 m=15 s=32
